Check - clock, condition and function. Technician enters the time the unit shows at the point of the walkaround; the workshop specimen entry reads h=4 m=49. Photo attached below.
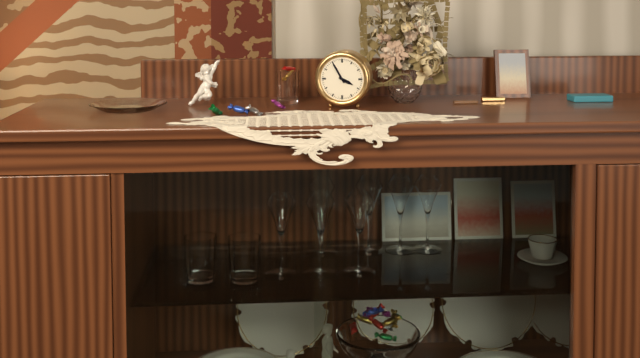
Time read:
h=3 m=55
